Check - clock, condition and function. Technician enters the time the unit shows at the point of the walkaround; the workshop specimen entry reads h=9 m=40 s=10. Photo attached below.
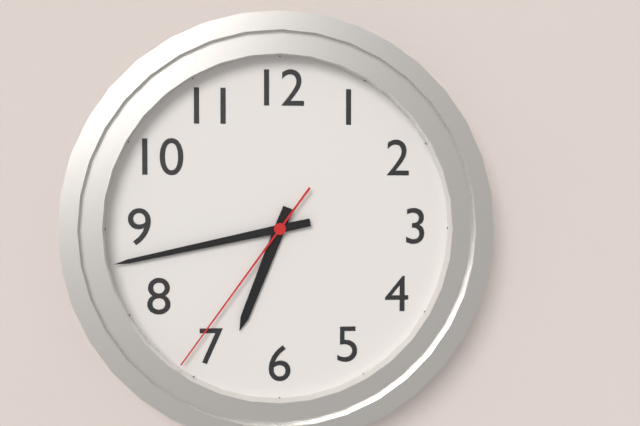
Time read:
h=6 m=43 s=36
